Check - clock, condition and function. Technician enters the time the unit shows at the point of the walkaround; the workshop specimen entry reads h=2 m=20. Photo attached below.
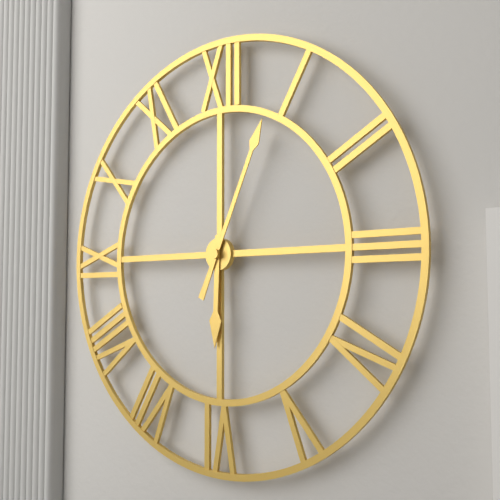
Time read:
h=6 m=4
